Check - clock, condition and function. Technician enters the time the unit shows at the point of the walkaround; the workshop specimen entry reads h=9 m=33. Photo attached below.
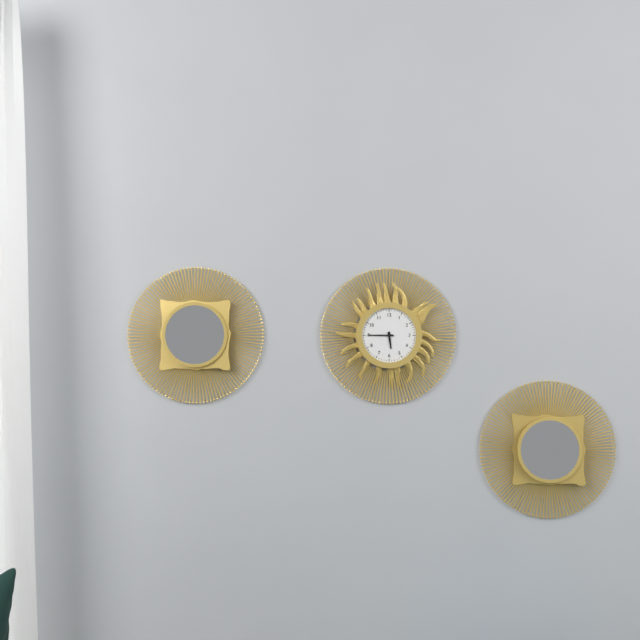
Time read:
h=5 m=45
